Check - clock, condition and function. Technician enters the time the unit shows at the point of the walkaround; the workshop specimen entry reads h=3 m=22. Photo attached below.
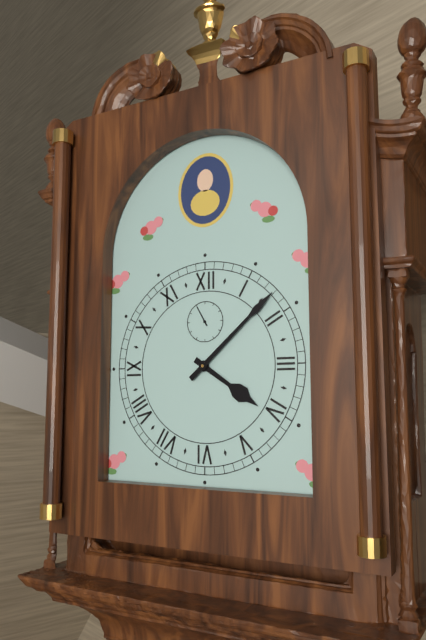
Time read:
h=4 m=8
